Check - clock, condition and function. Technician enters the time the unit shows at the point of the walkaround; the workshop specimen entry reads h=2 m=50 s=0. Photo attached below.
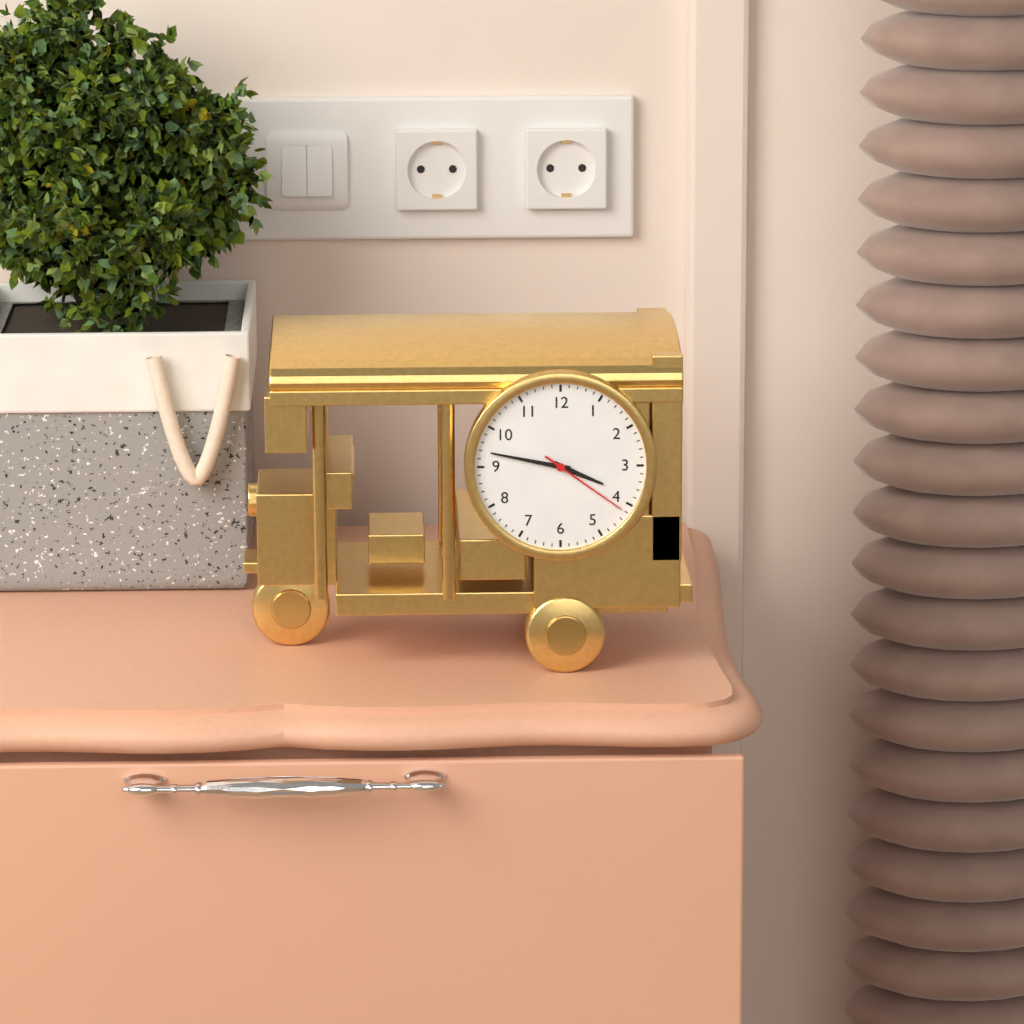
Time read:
h=3 m=47 s=21
